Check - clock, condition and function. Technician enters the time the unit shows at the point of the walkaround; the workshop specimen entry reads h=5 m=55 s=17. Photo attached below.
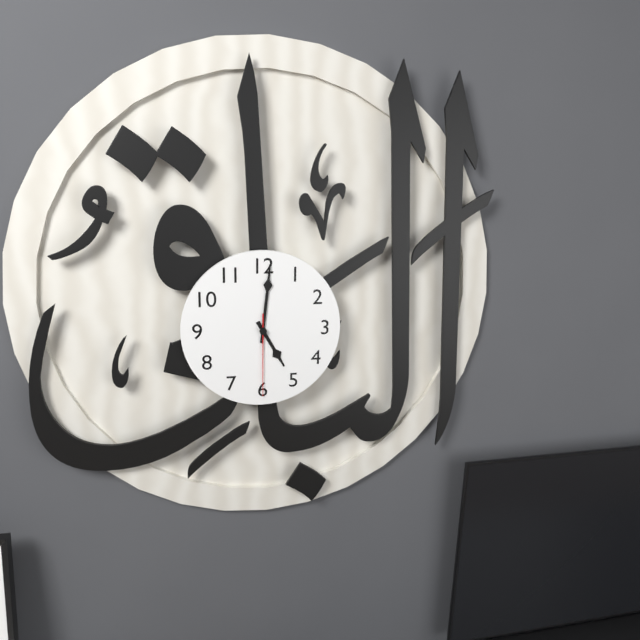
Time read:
h=5 m=1 s=30
